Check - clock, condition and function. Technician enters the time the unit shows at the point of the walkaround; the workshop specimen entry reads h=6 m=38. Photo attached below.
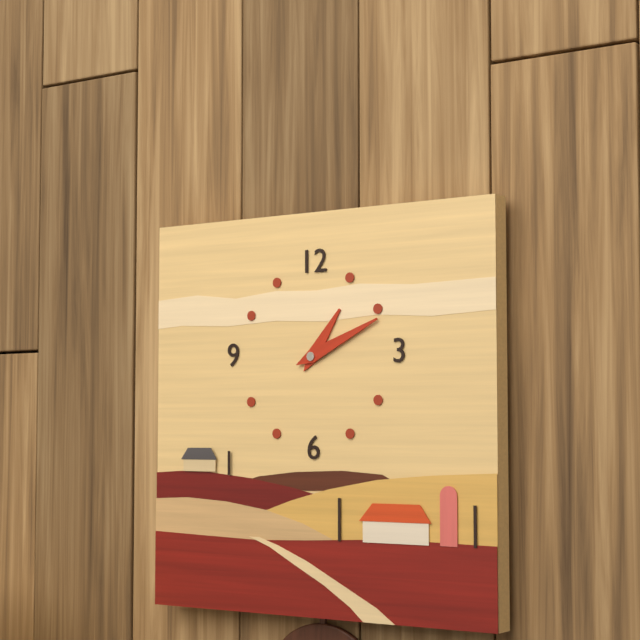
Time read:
h=1 m=11
